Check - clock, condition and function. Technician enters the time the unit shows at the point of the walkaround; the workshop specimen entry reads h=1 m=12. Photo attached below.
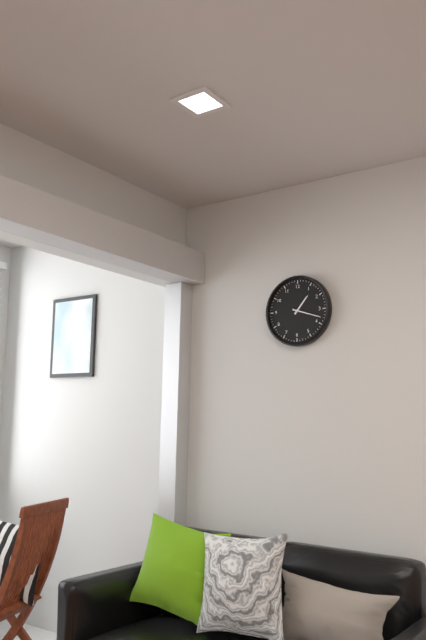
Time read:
h=1 m=18
